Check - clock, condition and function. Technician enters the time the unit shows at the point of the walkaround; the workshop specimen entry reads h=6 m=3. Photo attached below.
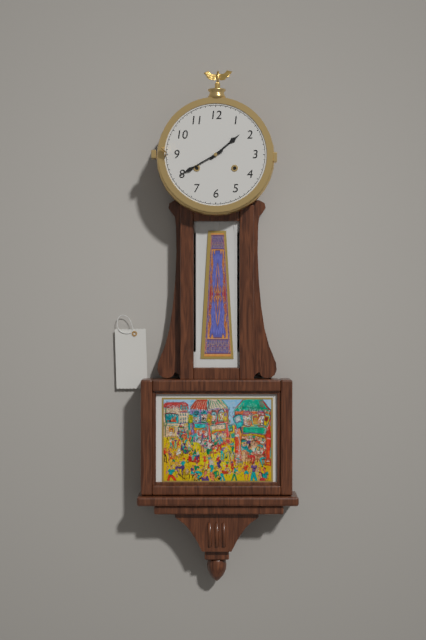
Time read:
h=1 m=40
